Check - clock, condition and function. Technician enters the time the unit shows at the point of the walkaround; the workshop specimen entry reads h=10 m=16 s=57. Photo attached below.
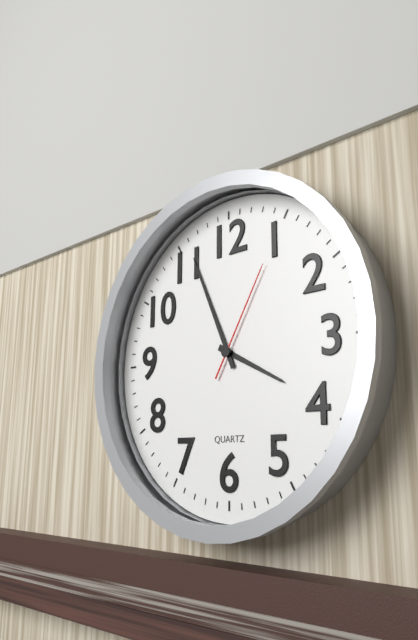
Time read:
h=3 m=56 s=5
